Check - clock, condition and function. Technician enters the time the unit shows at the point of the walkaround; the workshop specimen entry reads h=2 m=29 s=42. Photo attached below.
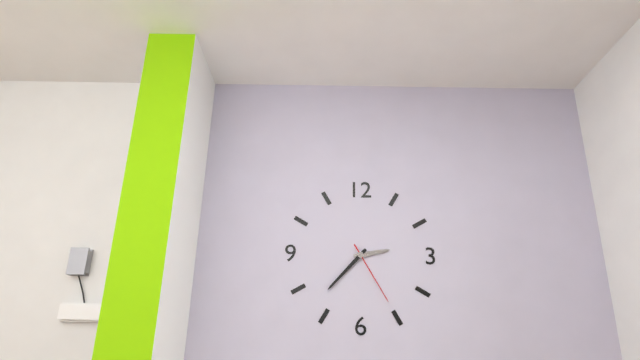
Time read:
h=2 m=37 s=25
